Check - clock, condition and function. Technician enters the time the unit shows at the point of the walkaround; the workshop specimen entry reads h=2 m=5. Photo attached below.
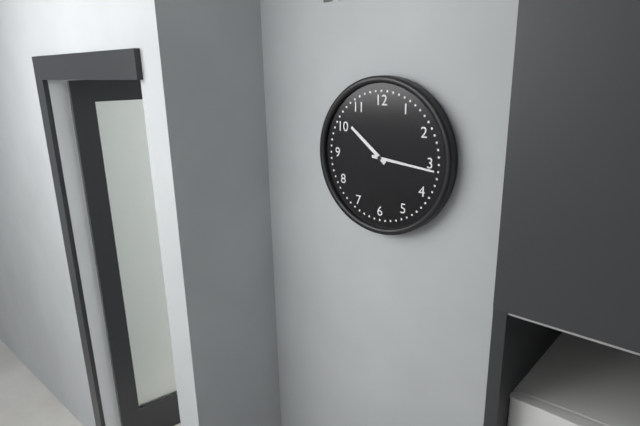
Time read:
h=10 m=16
